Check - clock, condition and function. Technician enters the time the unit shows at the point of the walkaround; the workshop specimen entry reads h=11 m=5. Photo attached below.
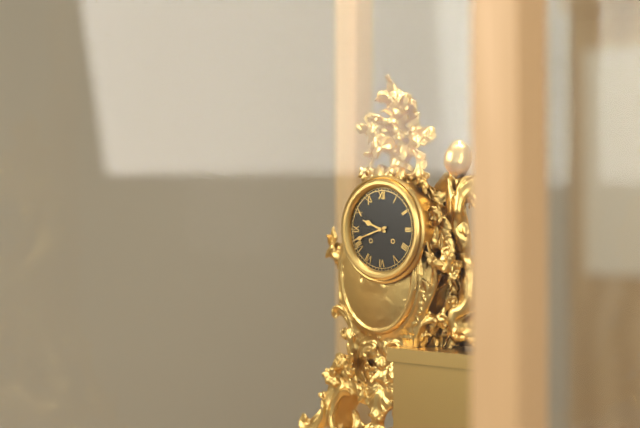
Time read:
h=9 m=42
